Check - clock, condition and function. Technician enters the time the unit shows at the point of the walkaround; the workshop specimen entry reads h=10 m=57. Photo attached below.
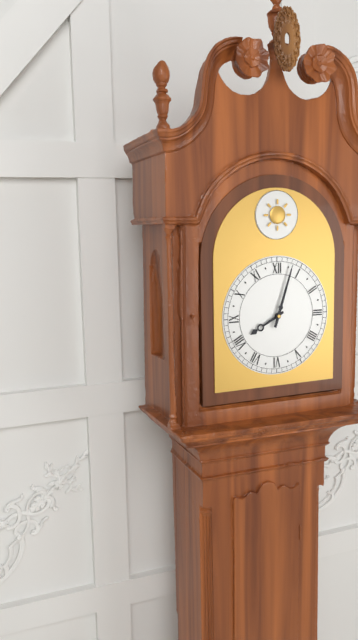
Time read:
h=8 m=3
